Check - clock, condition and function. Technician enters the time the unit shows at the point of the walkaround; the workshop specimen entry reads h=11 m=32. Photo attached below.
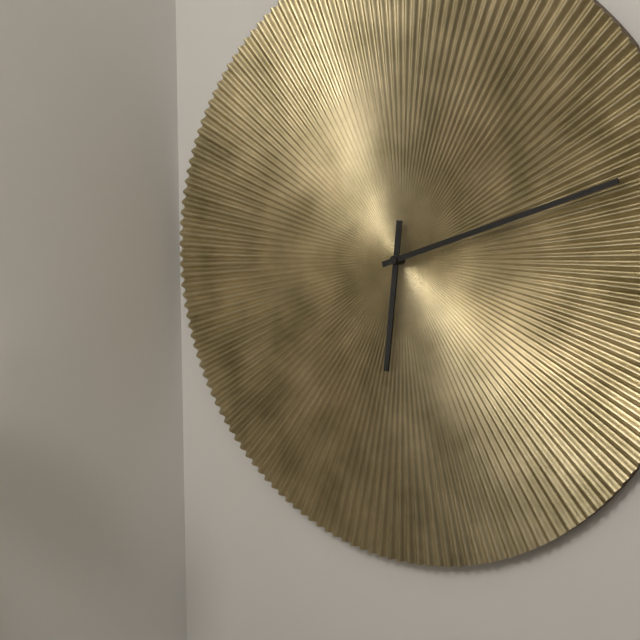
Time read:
h=6 m=12
